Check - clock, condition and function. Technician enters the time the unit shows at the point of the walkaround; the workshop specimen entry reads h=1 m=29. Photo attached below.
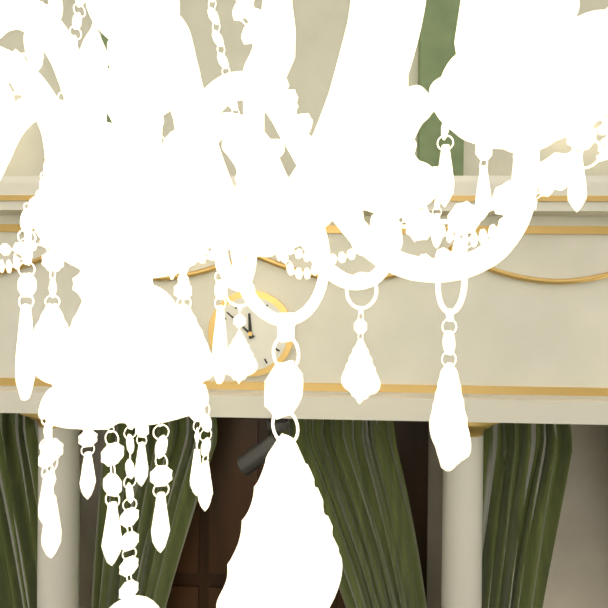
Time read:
h=11 m=52
